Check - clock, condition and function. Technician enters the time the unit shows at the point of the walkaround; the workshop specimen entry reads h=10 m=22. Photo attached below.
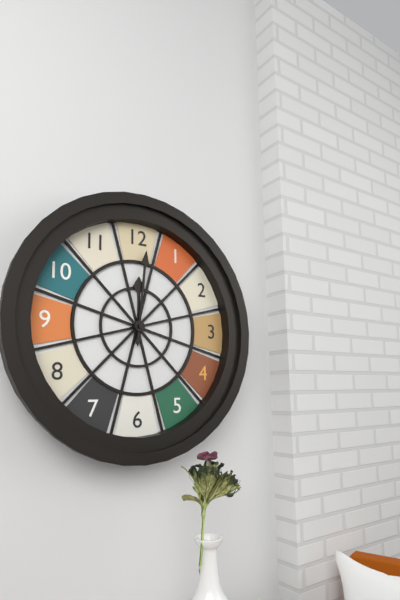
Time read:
h=12 m=1
